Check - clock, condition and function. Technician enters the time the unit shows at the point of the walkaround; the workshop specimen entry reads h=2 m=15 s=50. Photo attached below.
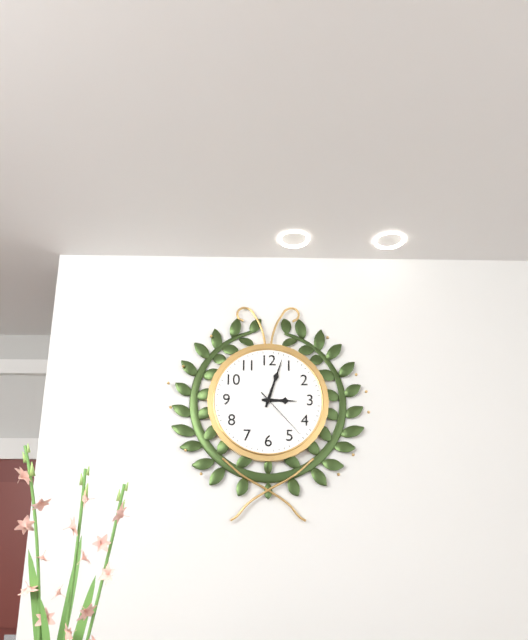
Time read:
h=3 m=3 s=23
